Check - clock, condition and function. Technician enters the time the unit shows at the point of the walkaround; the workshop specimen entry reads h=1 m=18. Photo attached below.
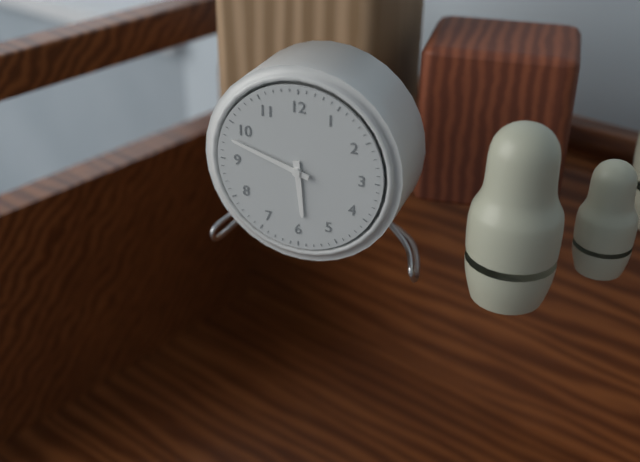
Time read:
h=5 m=48
